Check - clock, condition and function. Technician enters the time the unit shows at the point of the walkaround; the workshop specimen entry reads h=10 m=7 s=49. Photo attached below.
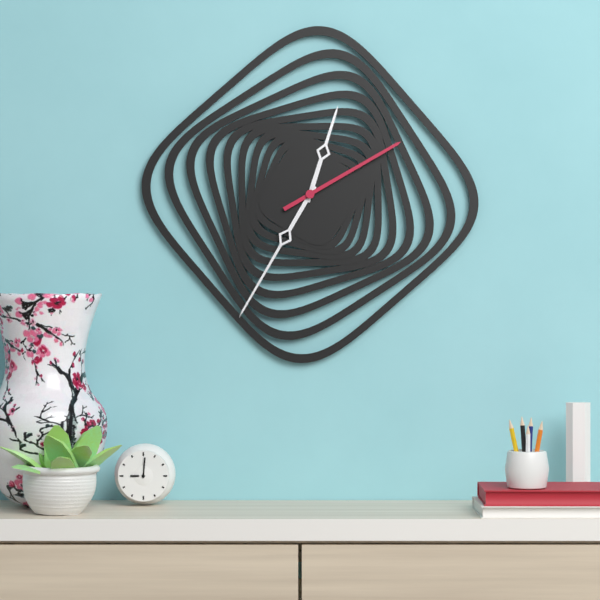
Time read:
h=12 m=35 s=10
